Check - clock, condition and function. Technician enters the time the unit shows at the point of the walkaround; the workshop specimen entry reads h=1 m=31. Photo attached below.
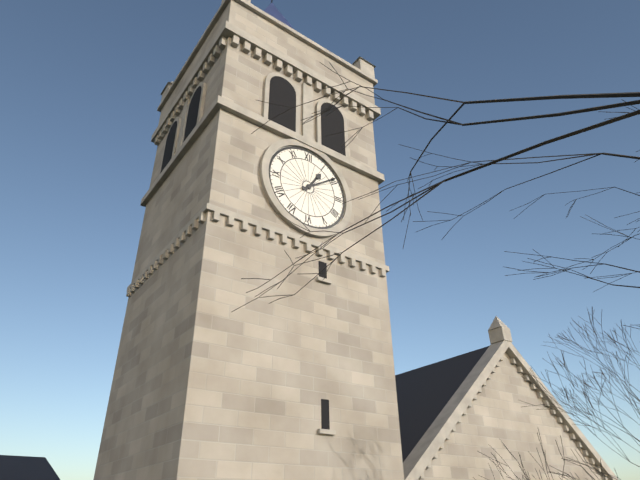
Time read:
h=1 m=9
